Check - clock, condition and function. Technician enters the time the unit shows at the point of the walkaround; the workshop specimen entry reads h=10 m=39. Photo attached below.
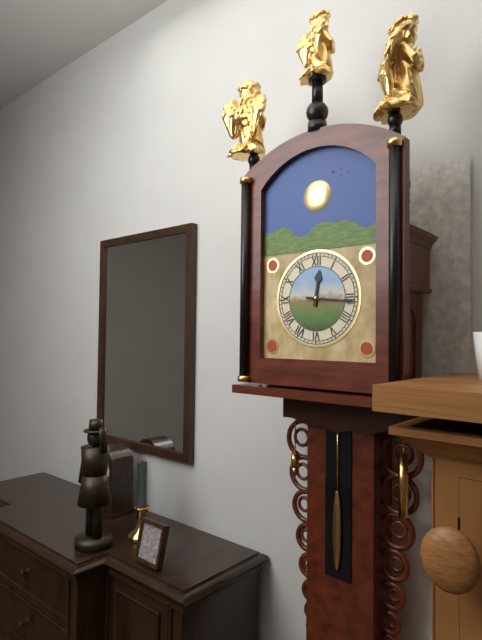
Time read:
h=12 m=16
